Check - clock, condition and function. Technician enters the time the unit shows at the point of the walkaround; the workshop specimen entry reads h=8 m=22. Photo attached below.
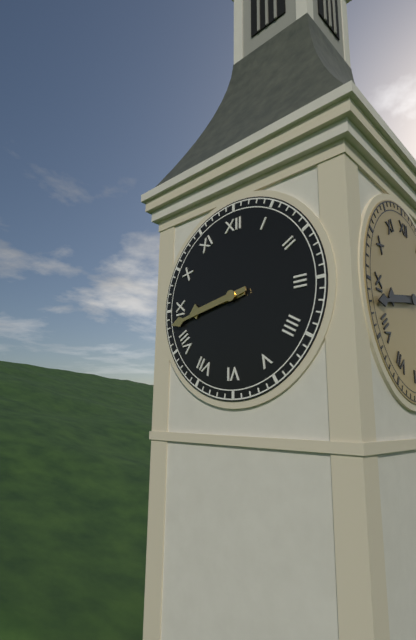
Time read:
h=8 m=43
